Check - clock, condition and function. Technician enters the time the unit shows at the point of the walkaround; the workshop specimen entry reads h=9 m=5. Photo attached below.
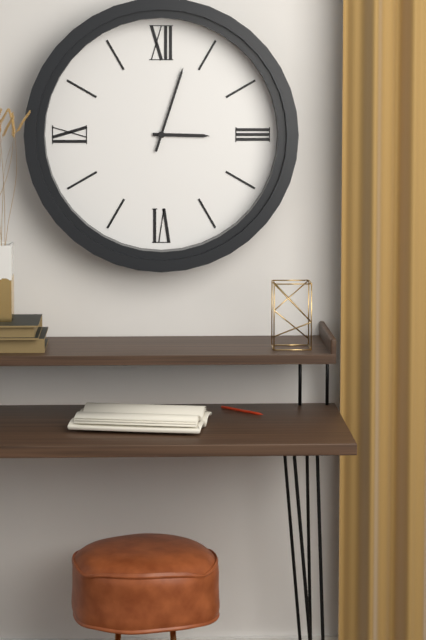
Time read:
h=3 m=3
